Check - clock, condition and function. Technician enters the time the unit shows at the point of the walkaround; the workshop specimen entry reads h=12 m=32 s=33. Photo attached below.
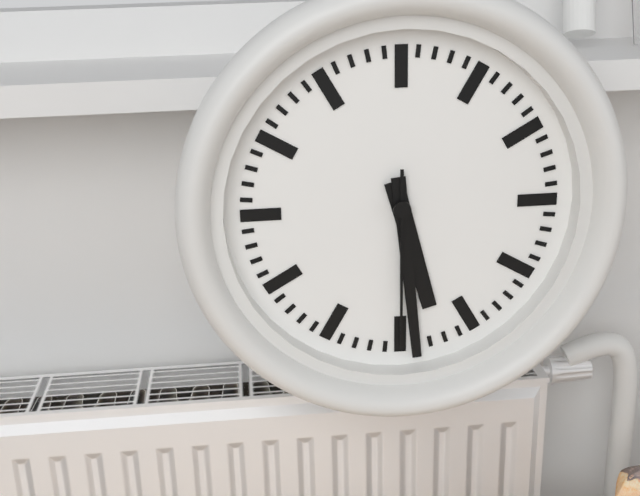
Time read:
h=5 m=29 s=30
